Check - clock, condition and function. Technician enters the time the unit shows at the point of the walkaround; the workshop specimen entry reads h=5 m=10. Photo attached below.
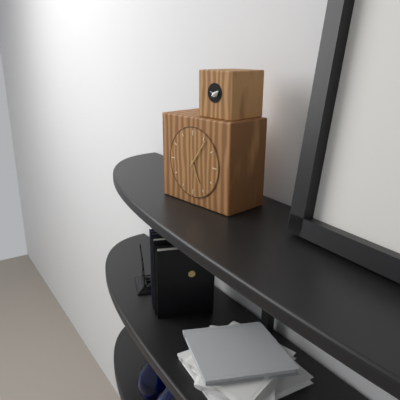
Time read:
h=5 m=6
